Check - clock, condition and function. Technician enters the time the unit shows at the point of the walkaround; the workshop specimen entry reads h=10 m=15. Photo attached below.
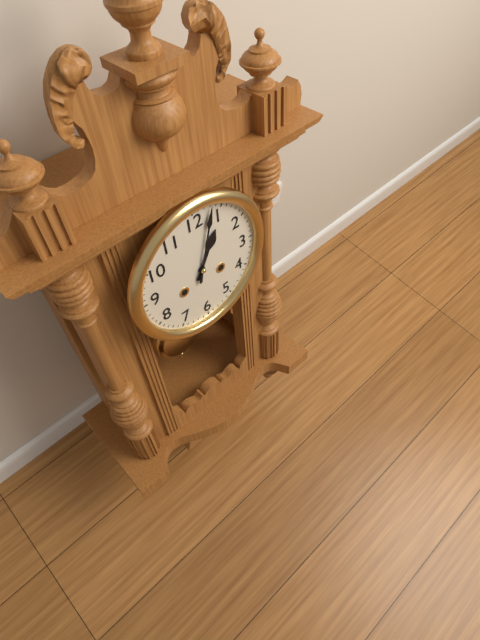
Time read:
h=1 m=3
